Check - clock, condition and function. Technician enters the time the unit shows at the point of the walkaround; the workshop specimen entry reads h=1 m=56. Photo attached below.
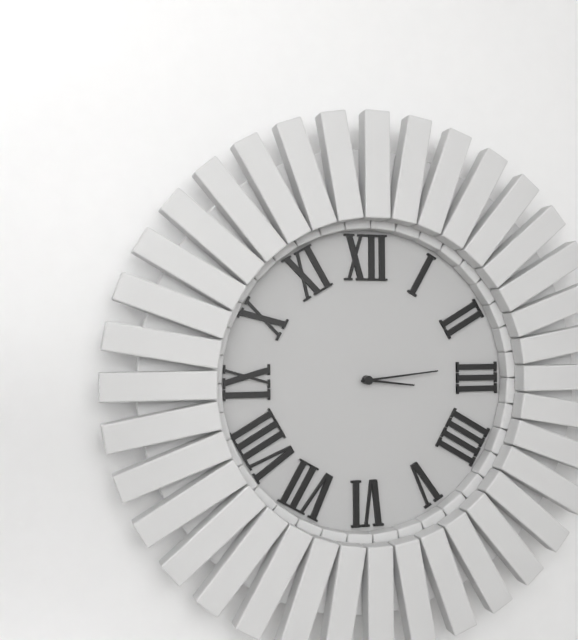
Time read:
h=3 m=14
